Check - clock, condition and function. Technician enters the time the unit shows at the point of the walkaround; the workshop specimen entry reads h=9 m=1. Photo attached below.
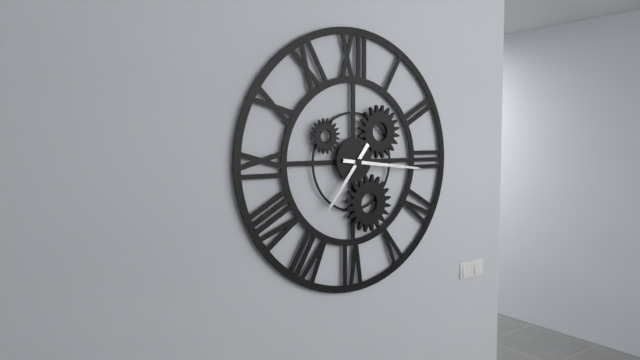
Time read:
h=7 m=16
